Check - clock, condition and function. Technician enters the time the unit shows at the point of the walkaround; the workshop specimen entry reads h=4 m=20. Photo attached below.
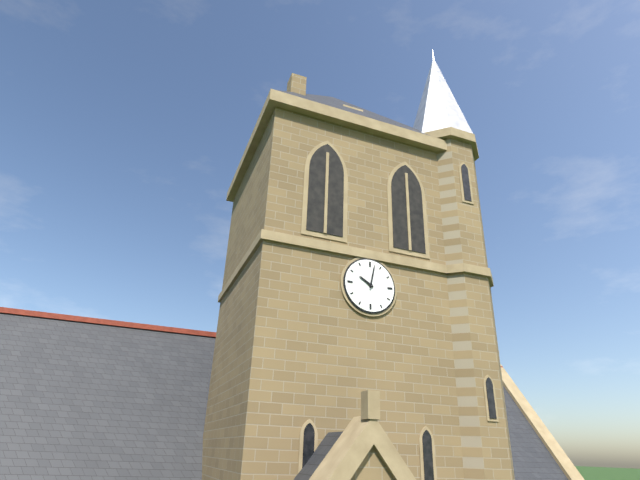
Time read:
h=10 m=2
